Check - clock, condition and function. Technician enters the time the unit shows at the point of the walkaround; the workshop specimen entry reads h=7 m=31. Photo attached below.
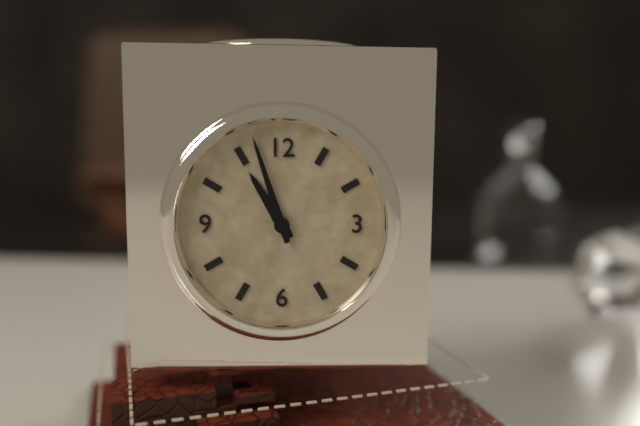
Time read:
h=10 m=57
